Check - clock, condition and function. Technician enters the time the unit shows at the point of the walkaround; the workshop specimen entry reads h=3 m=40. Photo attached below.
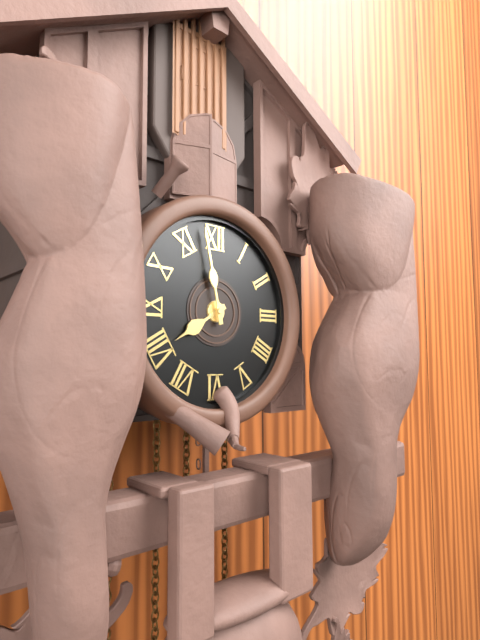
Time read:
h=7 m=58
